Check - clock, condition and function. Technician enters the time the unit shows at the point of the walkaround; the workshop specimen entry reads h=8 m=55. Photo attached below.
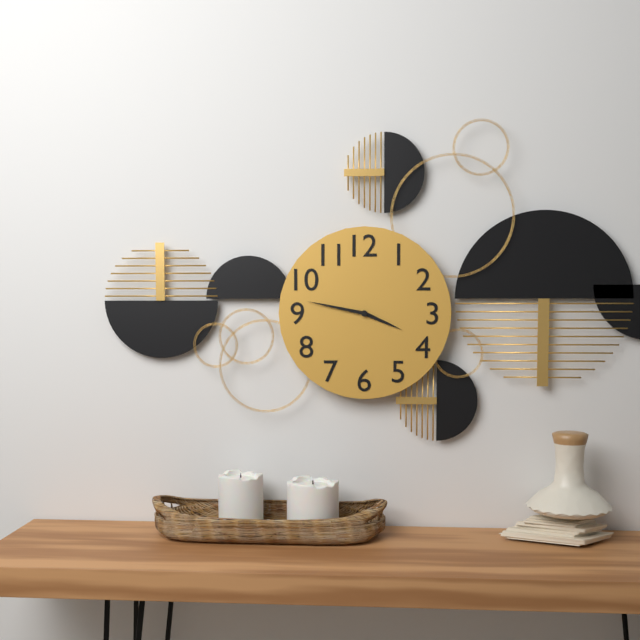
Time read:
h=3 m=47
